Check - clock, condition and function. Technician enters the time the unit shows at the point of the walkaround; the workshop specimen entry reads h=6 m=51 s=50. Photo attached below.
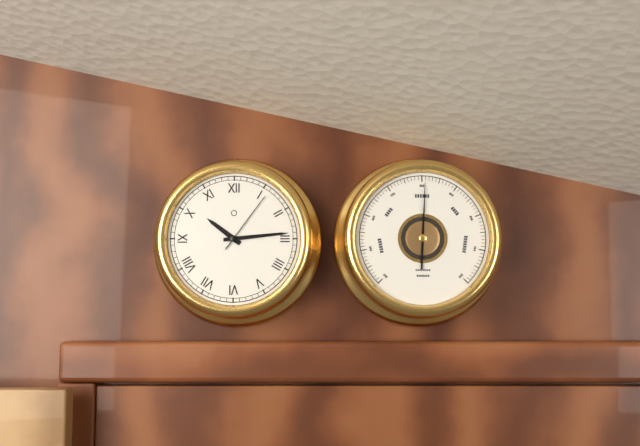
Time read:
h=10 m=14 s=6
